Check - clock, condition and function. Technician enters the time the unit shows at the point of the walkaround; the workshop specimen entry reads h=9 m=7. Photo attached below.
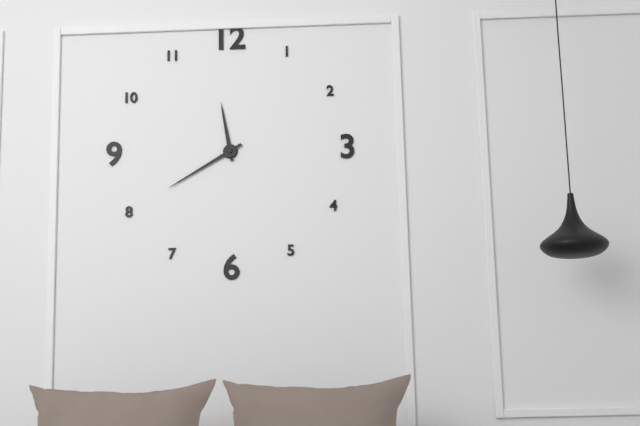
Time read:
h=11 m=40
